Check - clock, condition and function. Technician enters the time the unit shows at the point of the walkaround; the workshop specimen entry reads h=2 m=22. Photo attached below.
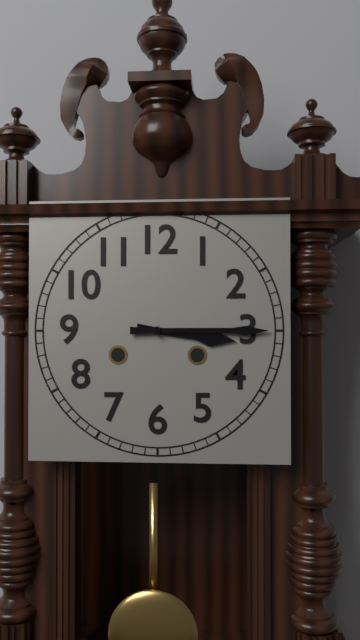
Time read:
h=3 m=15
